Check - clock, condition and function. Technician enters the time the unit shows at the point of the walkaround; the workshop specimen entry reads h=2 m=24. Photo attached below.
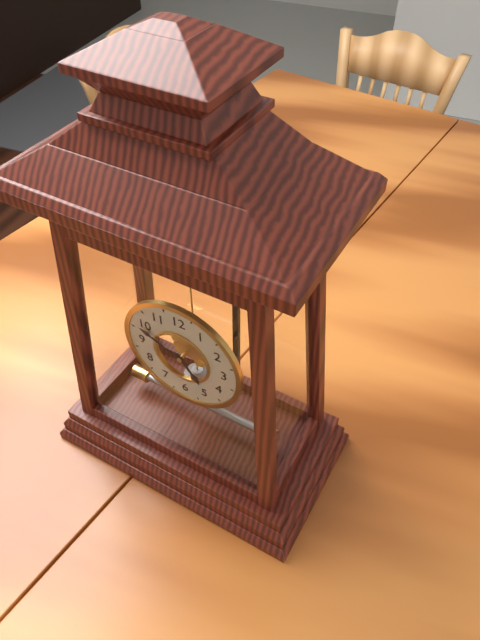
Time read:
h=4 m=49
